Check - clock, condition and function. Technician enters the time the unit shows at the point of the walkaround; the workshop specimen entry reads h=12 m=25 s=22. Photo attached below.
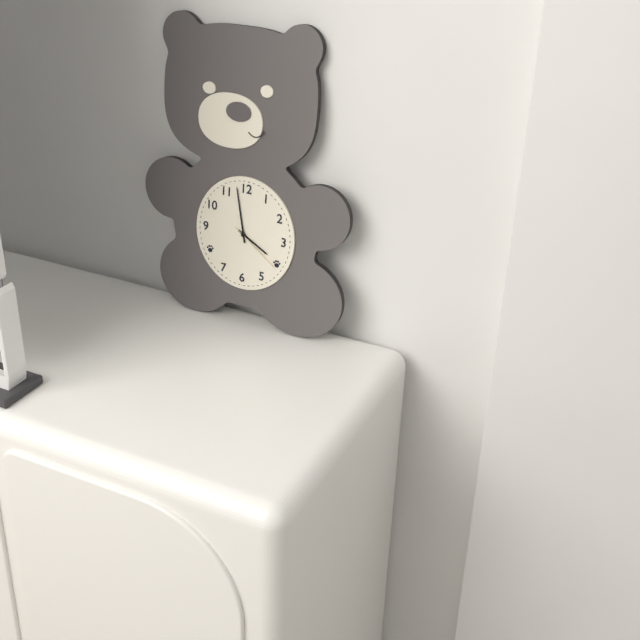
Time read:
h=3 m=58 s=21
